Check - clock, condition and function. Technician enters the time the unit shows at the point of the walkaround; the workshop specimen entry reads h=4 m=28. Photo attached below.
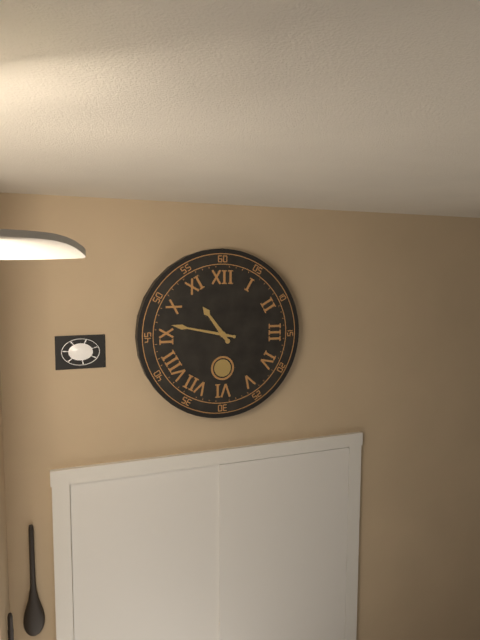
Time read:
h=10 m=47
